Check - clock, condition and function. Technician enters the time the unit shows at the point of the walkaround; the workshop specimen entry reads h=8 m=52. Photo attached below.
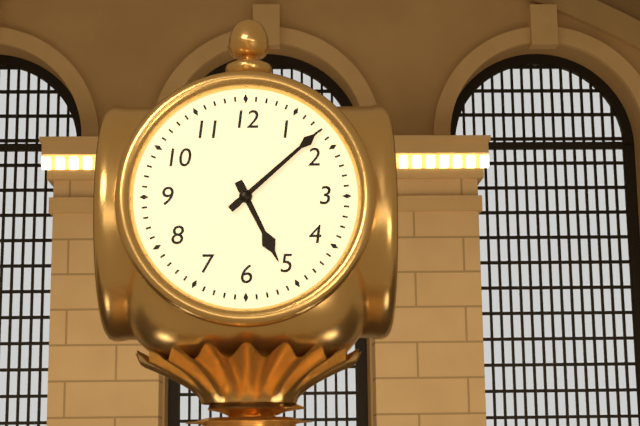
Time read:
h=5 m=8
